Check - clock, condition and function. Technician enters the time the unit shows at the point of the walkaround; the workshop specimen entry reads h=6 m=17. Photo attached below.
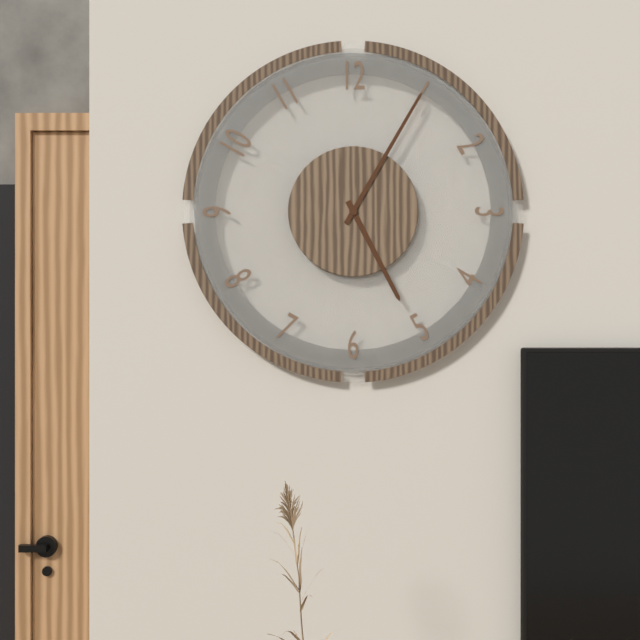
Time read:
h=5 m=5
